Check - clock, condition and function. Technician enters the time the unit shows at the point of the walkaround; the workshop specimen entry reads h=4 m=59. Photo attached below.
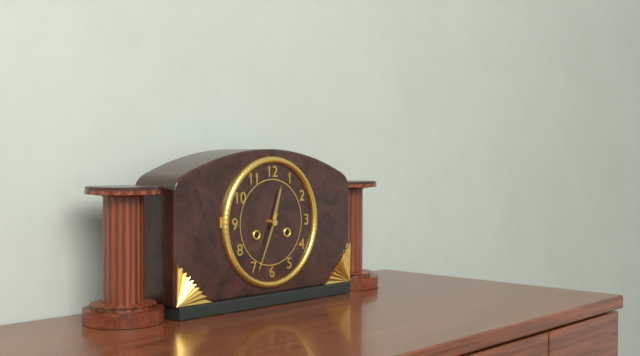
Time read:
h=12 m=34
